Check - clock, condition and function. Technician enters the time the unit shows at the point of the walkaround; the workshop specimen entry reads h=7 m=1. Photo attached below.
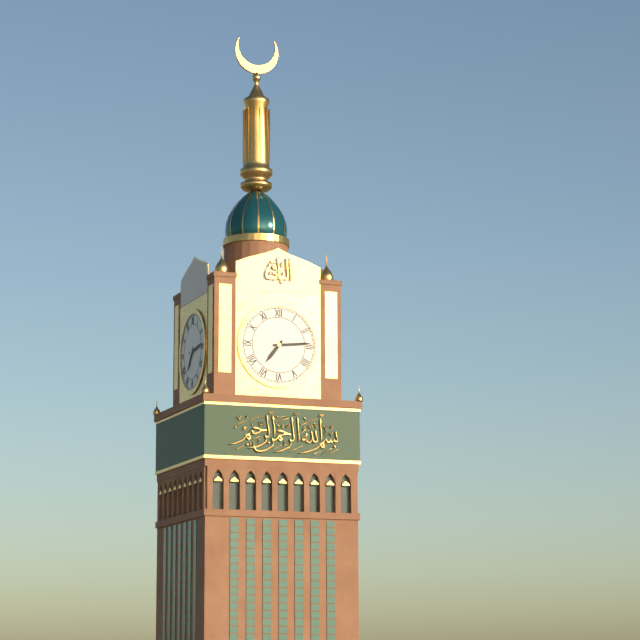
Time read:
h=7 m=14
